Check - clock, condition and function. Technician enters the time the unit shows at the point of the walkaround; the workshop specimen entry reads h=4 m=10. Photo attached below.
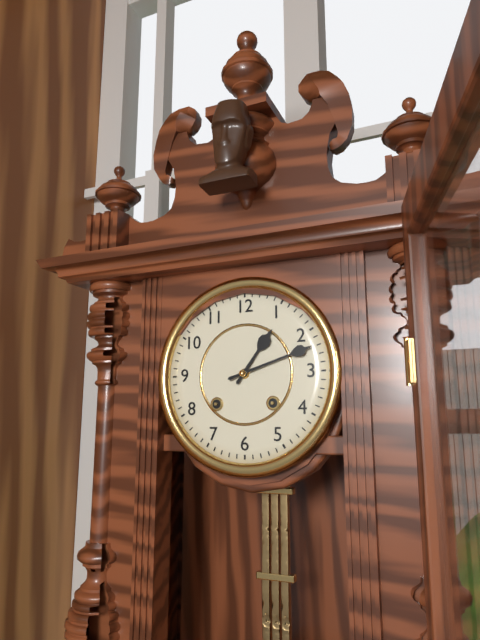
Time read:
h=1 m=12
